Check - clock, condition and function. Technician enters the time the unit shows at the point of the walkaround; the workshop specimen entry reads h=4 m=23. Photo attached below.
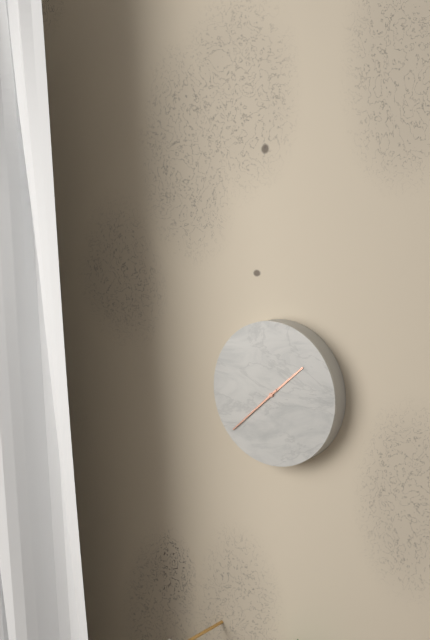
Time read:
h=1 m=38
